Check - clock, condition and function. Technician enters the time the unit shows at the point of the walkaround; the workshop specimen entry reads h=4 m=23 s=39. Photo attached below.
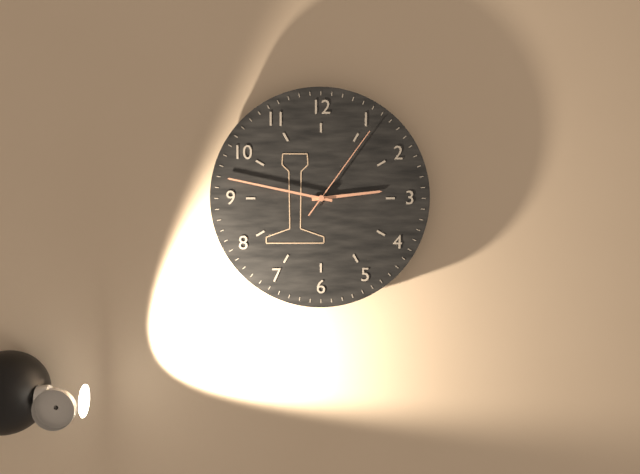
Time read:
h=2 m=47 s=6
